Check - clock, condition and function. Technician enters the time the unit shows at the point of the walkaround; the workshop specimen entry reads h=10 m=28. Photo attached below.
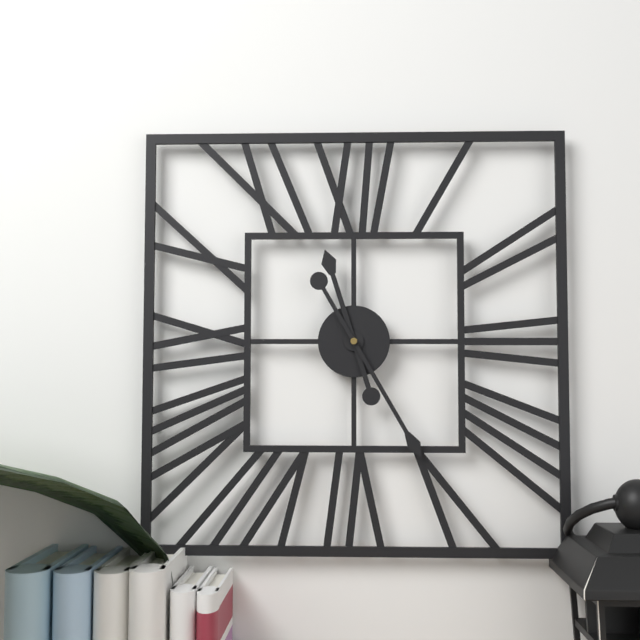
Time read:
h=11 m=25
